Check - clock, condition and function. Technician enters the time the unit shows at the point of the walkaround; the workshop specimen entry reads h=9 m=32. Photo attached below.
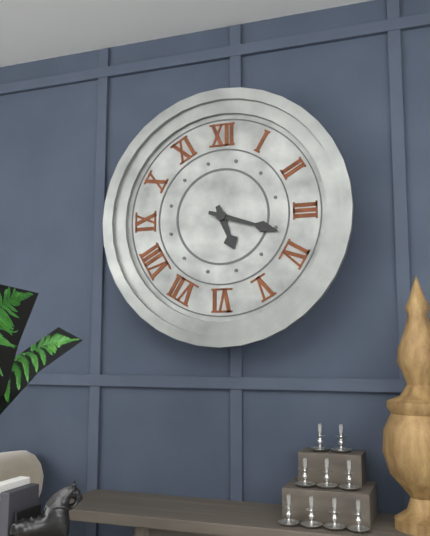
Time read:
h=5 m=18
